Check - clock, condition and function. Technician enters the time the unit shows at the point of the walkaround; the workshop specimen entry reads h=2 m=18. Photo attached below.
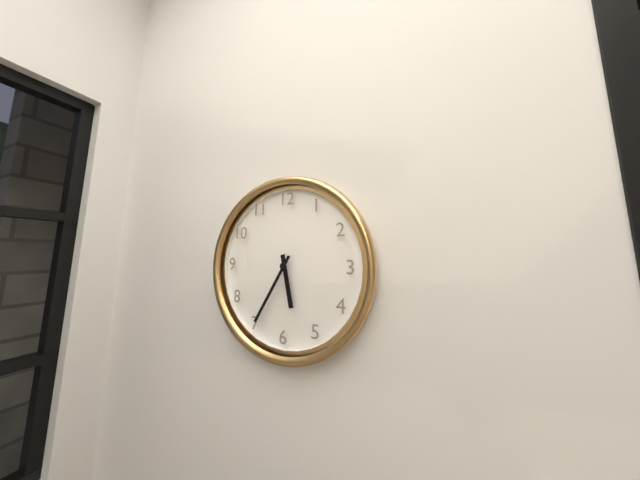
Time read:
h=5 m=35
